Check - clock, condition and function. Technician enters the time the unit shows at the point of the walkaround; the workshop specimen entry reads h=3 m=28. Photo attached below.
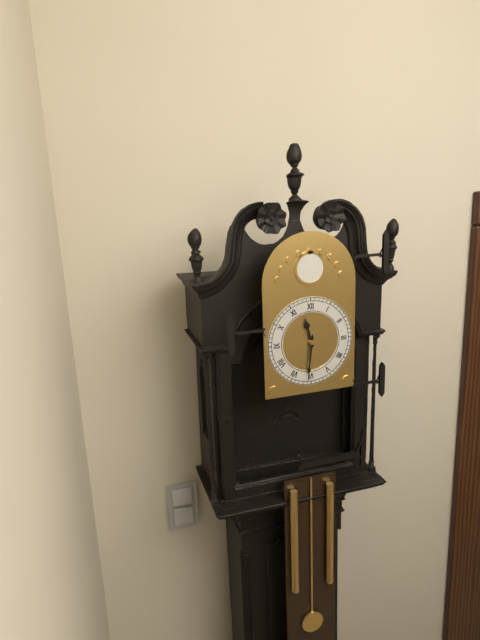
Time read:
h=11 m=31
